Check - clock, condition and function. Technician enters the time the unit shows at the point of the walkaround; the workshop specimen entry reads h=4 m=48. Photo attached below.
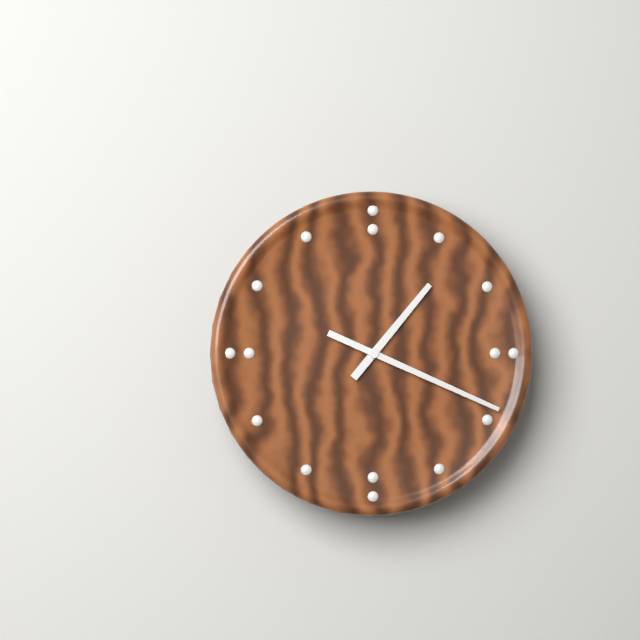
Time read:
h=1 m=19
